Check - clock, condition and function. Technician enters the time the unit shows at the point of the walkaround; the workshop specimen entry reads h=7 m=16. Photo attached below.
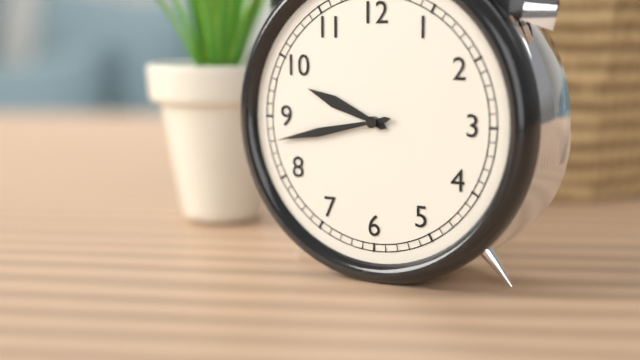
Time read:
h=9 m=43
